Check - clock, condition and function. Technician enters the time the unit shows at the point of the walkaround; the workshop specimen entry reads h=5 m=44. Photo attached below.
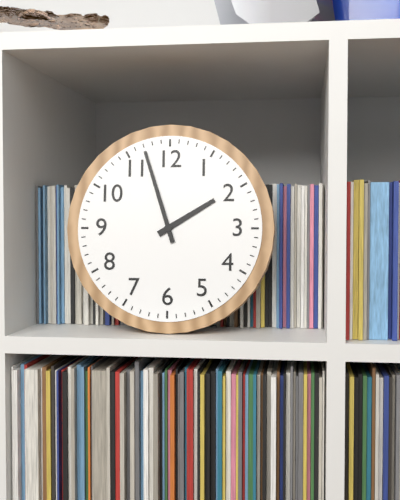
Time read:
h=1 m=57
